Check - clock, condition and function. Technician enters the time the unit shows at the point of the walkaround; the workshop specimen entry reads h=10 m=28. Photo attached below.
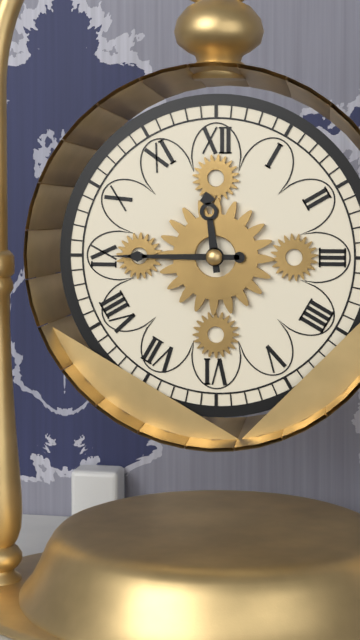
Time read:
h=11 m=45
